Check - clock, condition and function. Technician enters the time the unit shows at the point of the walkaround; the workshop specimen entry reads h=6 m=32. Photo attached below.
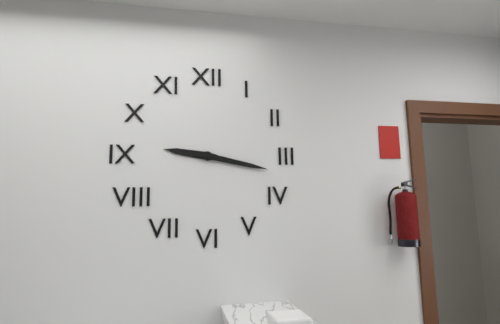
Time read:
h=9 m=17
